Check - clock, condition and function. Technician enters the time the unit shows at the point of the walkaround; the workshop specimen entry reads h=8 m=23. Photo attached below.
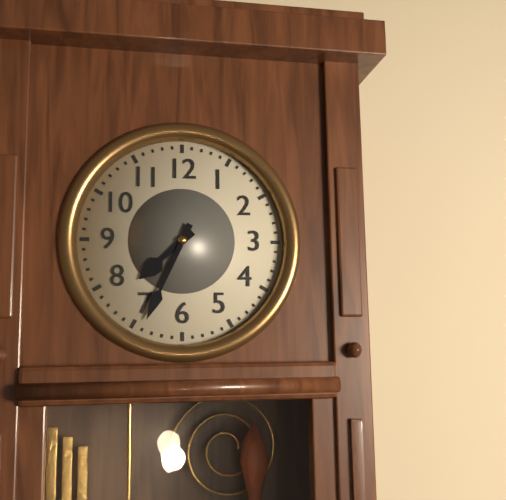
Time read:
h=7 m=34
